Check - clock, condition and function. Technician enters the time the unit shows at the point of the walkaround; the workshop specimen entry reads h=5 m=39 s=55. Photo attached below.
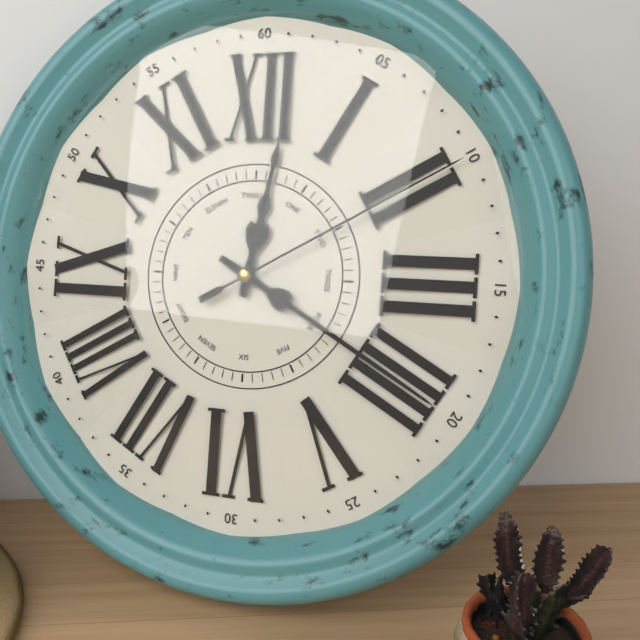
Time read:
h=12 m=20 s=10
